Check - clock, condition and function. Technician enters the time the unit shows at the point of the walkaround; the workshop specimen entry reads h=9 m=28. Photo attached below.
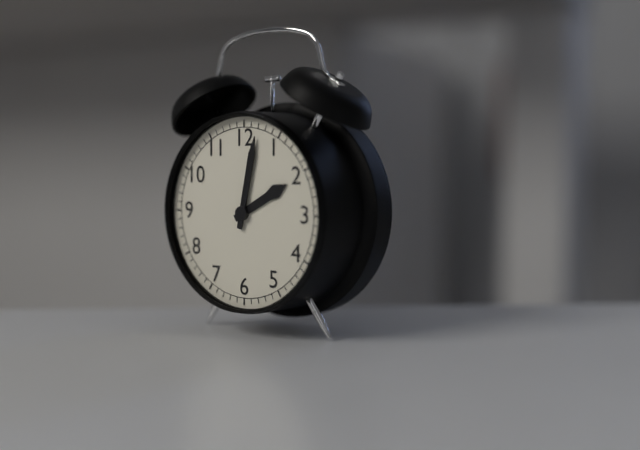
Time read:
h=2 m=2
